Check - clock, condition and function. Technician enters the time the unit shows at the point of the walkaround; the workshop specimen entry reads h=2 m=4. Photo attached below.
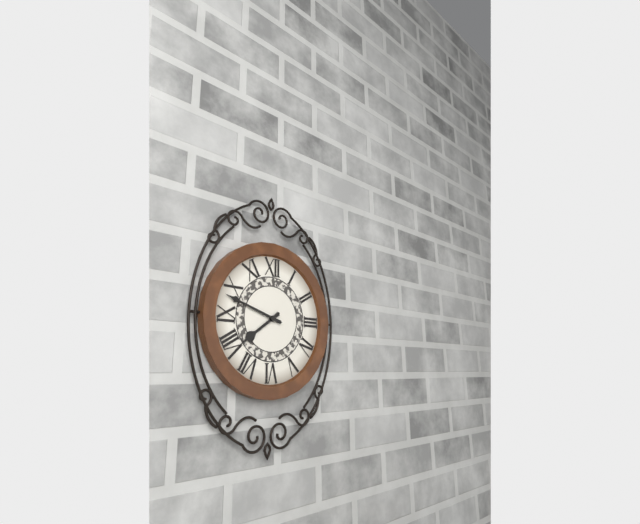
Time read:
h=7 m=48
